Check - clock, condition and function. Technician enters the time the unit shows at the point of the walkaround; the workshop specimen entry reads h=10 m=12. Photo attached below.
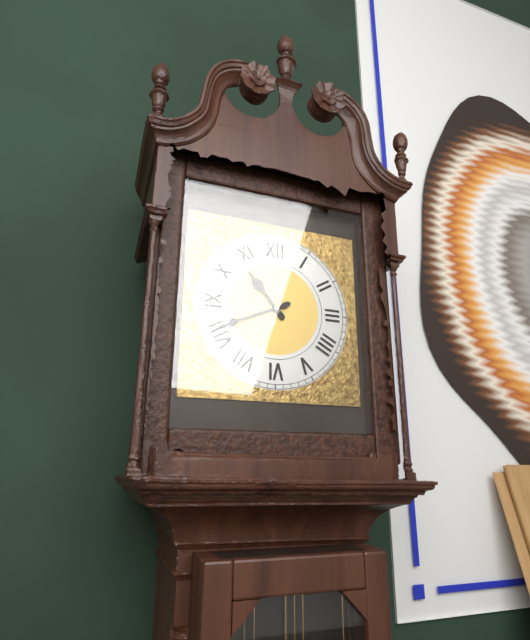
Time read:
h=10 m=41
